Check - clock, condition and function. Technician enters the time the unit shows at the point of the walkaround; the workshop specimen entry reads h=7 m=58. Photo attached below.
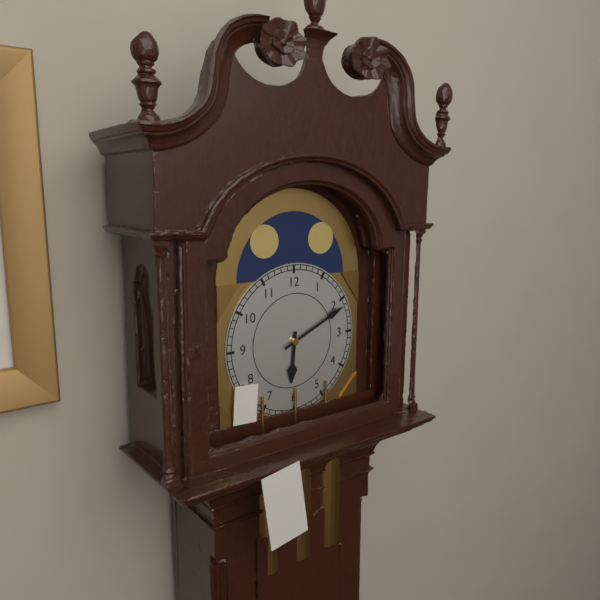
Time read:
h=6 m=11
